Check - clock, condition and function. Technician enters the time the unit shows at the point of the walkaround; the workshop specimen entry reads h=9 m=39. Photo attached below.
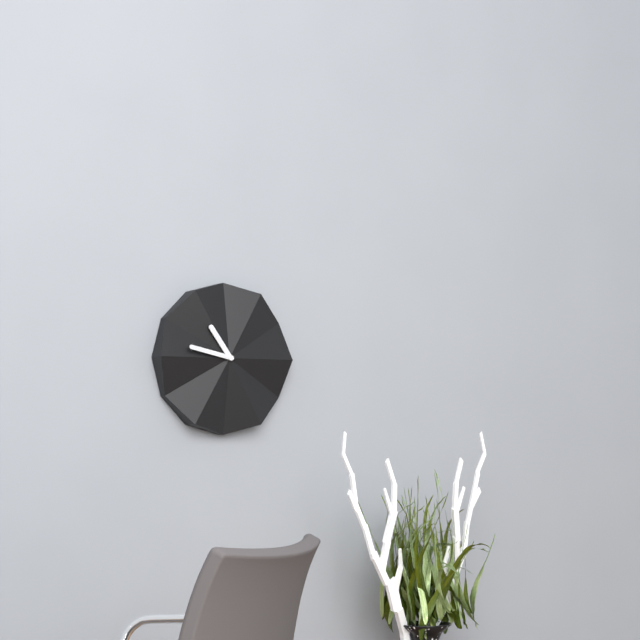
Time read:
h=10 m=47
